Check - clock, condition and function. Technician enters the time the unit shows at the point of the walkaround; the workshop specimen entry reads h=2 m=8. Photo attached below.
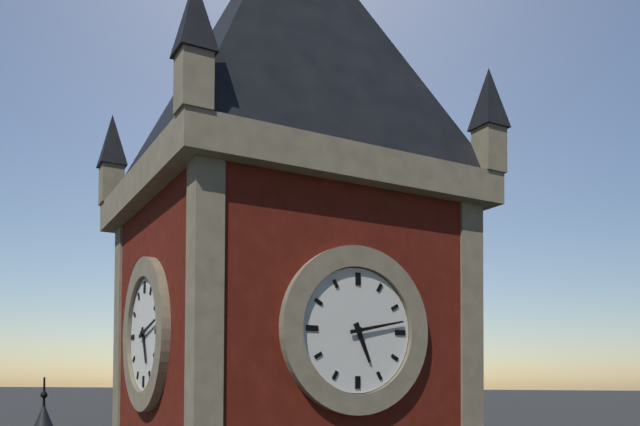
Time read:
h=5 m=13
